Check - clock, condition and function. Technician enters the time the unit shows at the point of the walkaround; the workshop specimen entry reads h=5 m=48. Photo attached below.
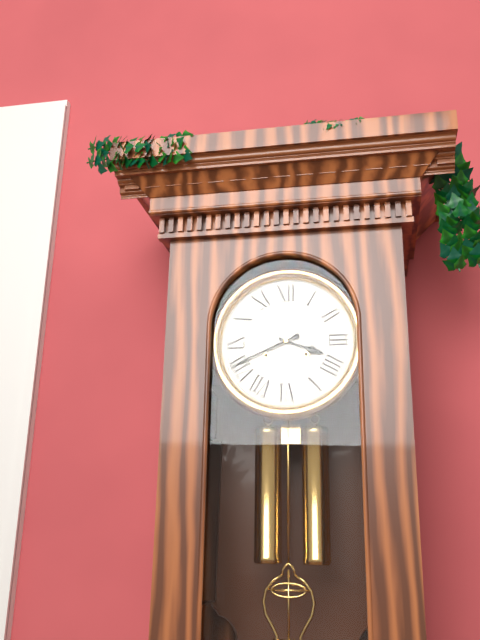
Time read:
h=3 m=41
